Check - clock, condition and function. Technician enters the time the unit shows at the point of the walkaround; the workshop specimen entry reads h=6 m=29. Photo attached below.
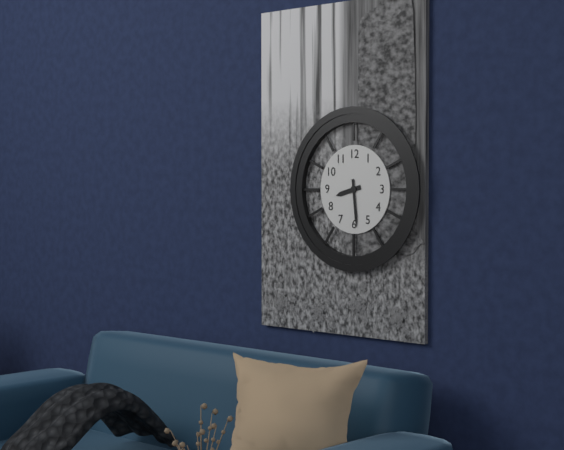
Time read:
h=8 m=29
